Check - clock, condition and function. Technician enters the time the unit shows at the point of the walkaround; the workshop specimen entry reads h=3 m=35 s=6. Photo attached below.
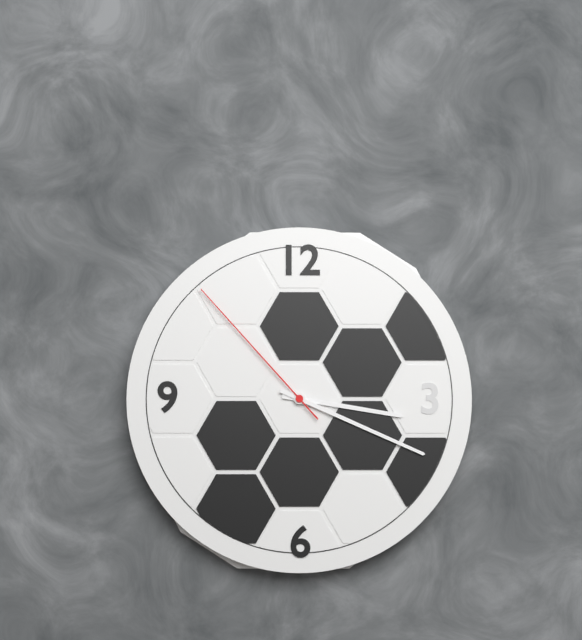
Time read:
h=3 m=19 s=53
